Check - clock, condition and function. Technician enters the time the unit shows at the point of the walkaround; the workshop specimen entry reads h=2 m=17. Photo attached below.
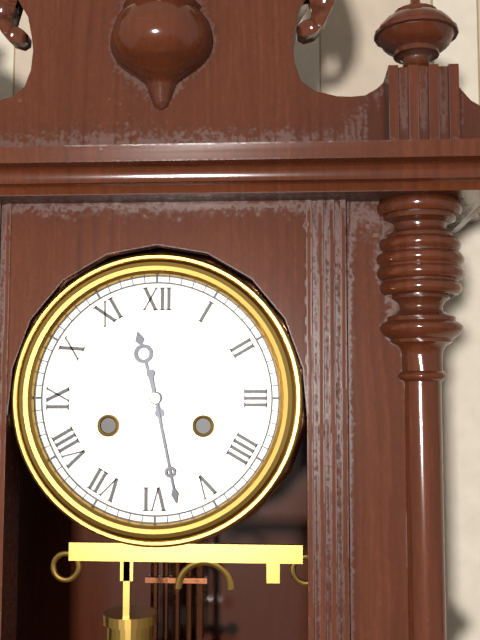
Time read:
h=11 m=28
